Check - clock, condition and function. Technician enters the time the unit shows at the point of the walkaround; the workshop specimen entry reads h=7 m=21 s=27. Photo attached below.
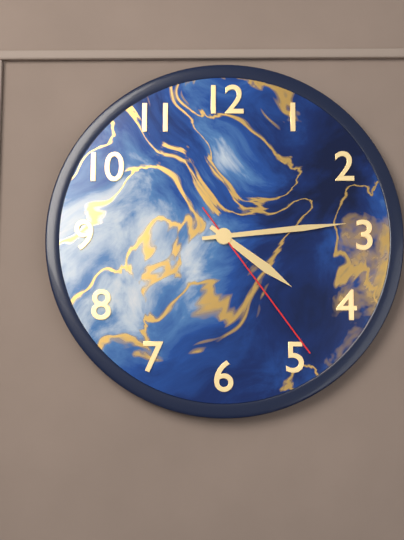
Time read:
h=4 m=14 s=24
